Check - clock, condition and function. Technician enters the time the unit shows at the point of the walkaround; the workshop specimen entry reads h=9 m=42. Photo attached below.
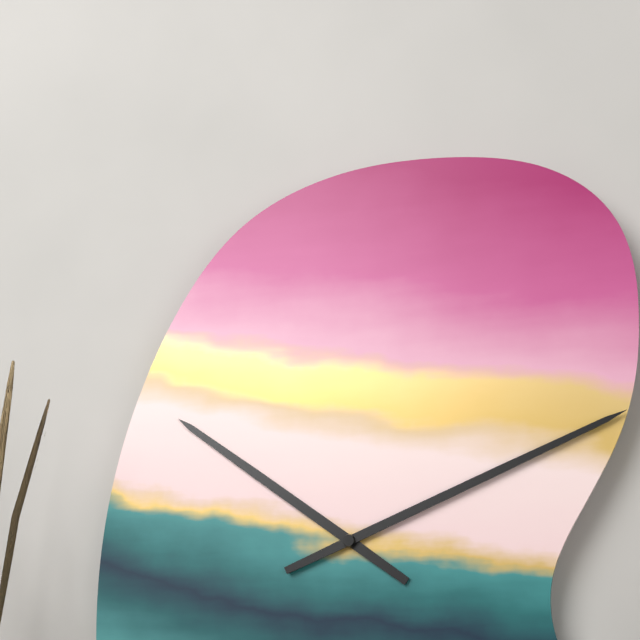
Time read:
h=10 m=11
